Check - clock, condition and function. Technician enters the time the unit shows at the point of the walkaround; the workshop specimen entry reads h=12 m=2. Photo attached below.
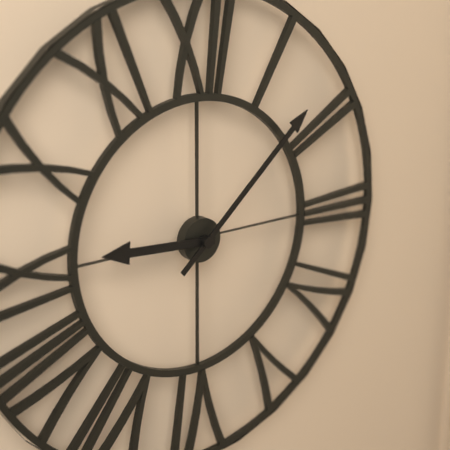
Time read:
h=9 m=8
